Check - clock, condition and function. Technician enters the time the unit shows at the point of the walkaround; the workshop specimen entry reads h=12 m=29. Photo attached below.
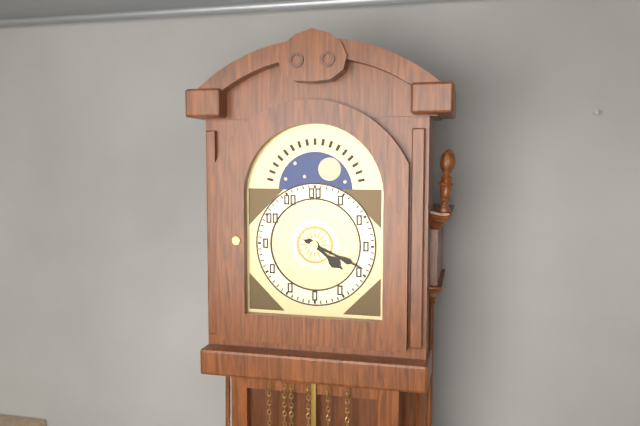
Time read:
h=4 m=19
